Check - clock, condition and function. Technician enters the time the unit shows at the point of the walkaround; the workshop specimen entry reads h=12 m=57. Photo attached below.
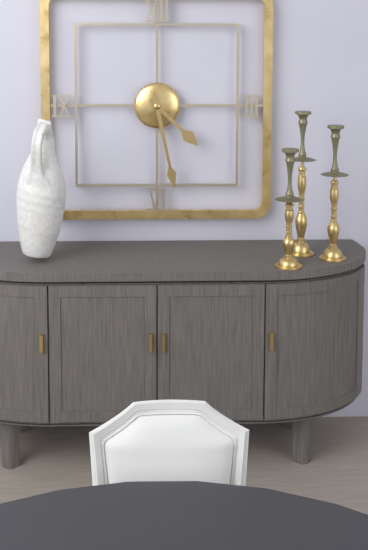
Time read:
h=4 m=28
